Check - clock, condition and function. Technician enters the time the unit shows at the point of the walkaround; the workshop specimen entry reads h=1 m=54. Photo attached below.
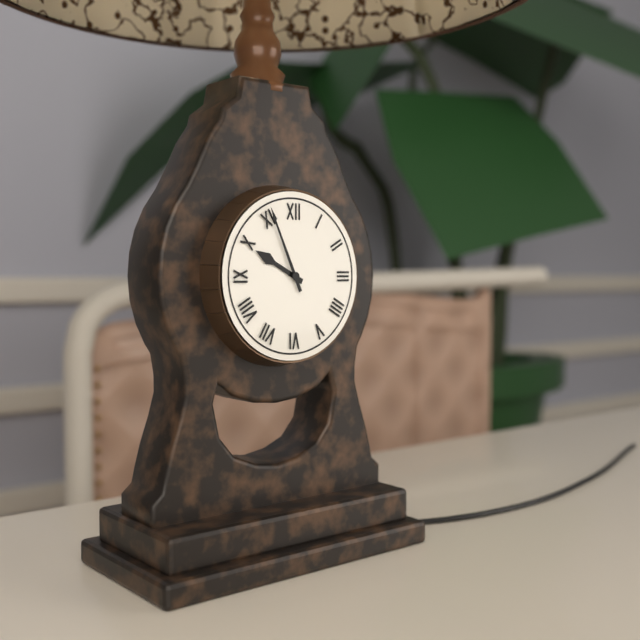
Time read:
h=9 m=56
